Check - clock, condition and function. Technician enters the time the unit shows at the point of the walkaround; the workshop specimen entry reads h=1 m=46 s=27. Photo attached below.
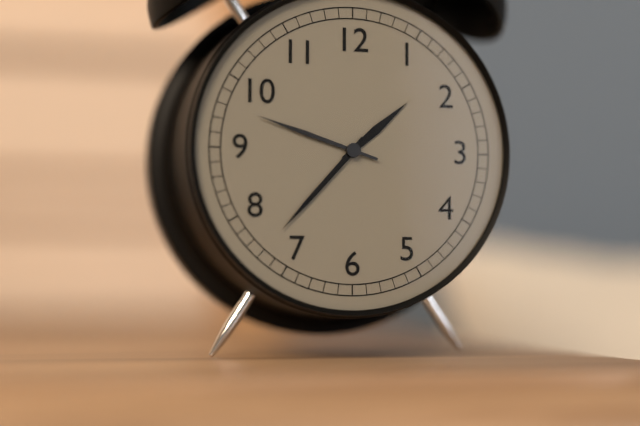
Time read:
h=1 m=37 s=48
